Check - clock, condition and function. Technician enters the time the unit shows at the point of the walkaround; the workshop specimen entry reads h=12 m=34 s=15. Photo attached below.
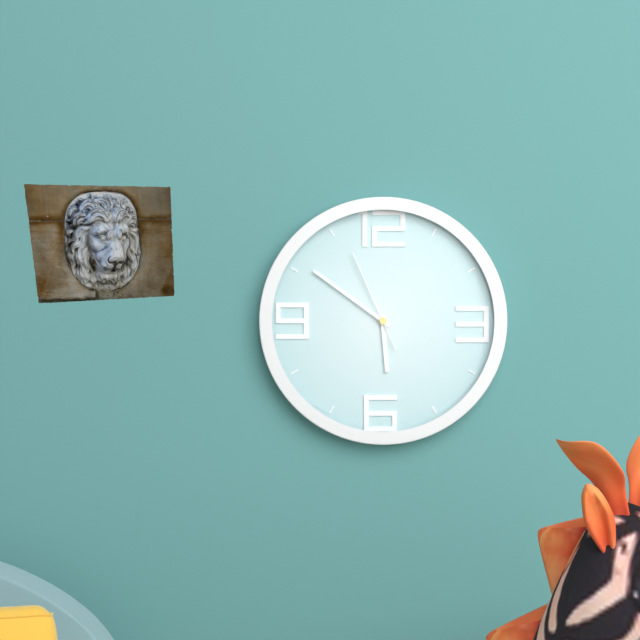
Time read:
h=5 m=51 s=56
